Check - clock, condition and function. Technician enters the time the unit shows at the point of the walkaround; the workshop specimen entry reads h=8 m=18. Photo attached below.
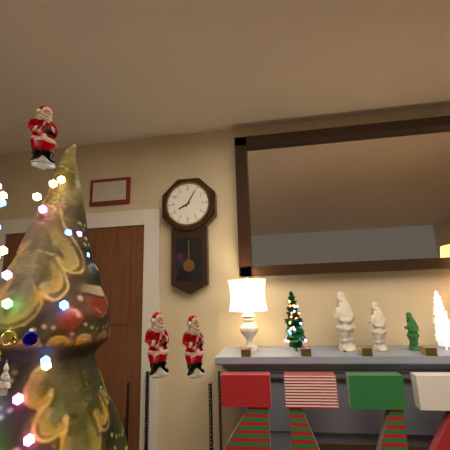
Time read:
h=8 m=5
